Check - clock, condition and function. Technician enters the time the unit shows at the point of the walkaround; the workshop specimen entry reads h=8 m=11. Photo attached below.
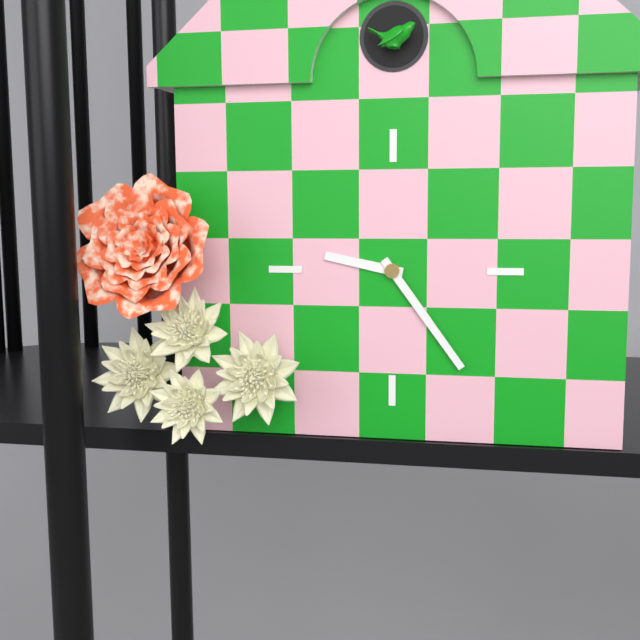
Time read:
h=9 m=24
